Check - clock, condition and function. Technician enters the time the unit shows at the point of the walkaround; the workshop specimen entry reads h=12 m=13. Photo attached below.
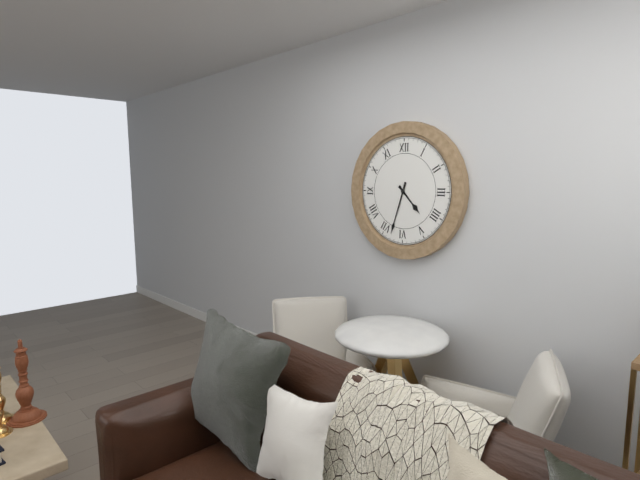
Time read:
h=4 m=33
